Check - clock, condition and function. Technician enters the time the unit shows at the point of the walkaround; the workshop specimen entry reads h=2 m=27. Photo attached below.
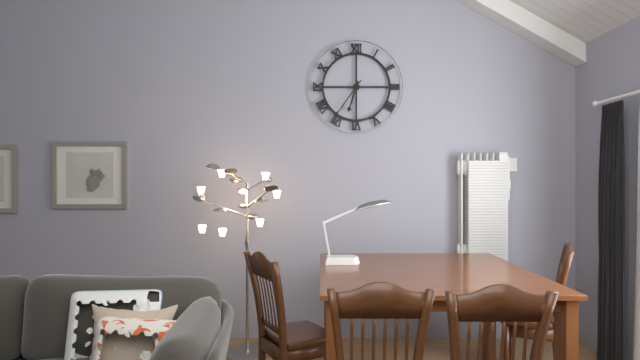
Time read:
h=6 m=36
